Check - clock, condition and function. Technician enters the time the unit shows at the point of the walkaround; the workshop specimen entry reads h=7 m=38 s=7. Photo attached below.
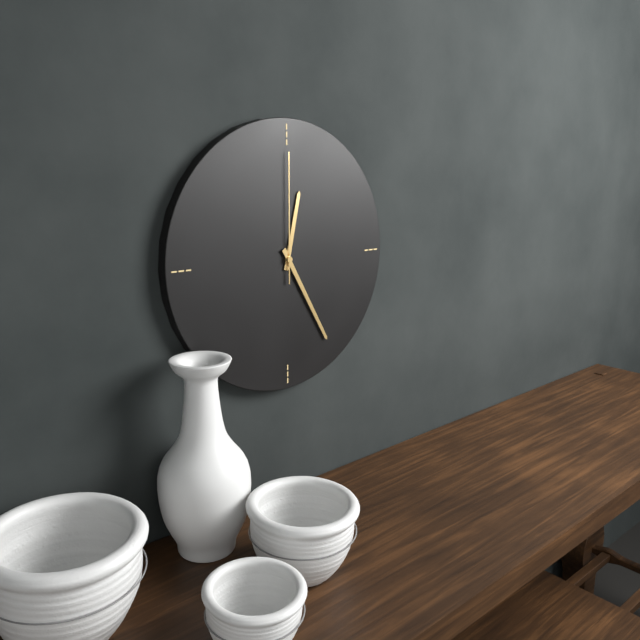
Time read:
h=12 m=25 s=0
